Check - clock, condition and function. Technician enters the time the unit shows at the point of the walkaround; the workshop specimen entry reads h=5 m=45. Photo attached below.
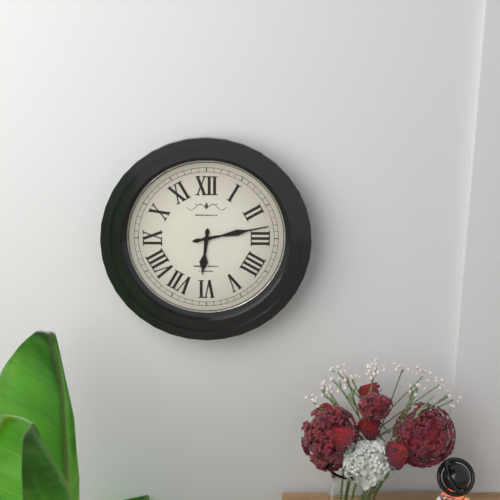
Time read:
h=6 m=13
